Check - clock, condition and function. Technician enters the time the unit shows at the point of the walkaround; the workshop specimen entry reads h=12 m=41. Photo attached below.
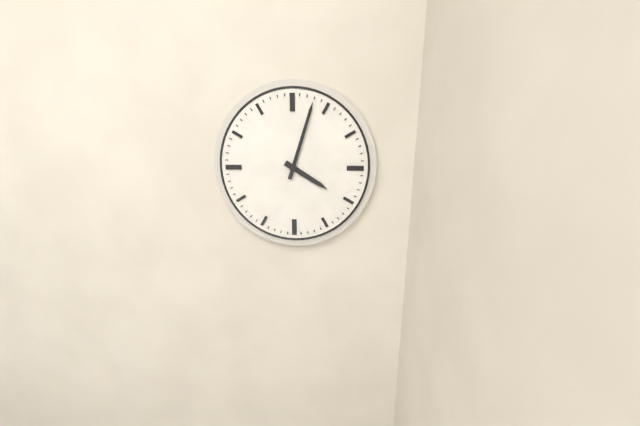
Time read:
h=4 m=3
